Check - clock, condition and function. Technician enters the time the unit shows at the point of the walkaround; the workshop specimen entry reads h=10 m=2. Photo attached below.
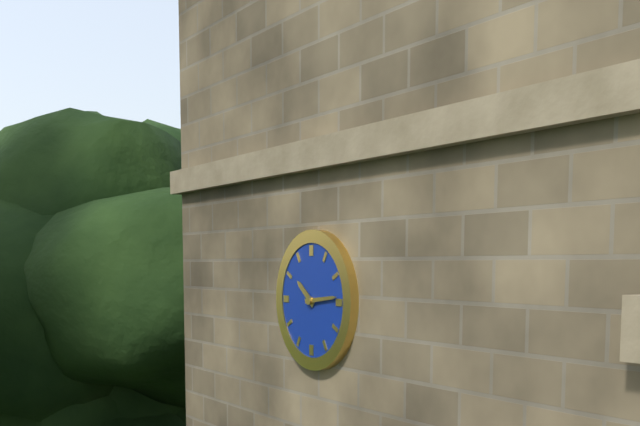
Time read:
h=10 m=14
